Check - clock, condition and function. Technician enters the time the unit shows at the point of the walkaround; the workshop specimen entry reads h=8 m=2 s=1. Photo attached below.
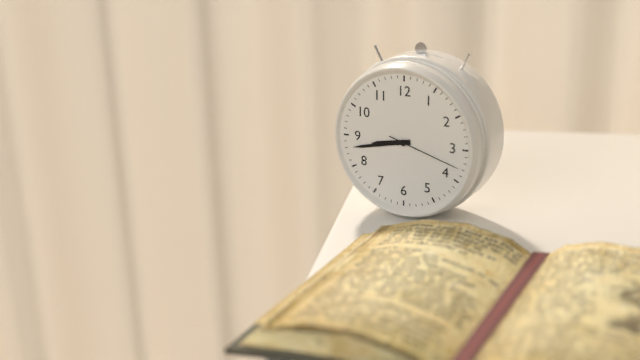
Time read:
h=8 m=43 s=18
